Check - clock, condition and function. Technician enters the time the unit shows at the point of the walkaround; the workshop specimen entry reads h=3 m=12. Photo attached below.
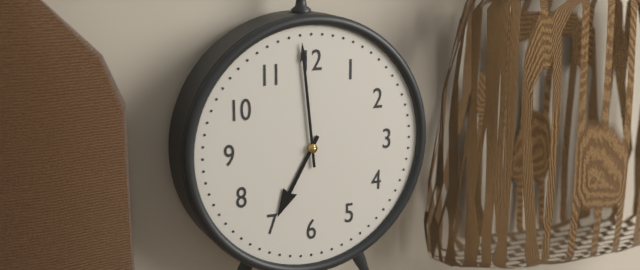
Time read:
h=6 m=59
